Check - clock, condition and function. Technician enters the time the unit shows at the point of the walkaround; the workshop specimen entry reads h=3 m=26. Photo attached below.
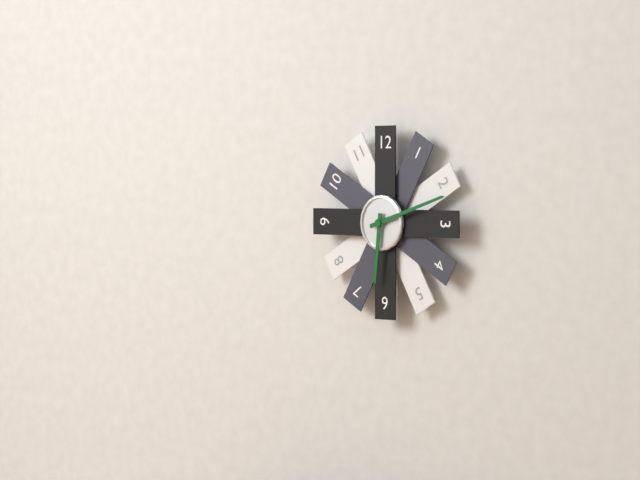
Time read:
h=6 m=12
